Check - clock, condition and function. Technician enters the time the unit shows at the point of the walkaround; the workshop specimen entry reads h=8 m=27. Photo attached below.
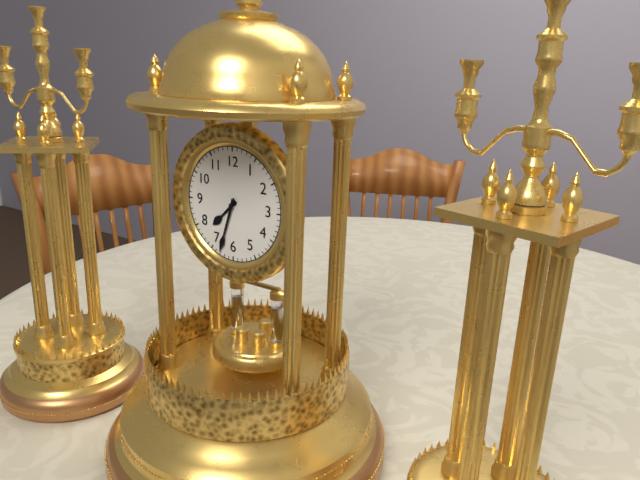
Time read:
h=7 m=33
